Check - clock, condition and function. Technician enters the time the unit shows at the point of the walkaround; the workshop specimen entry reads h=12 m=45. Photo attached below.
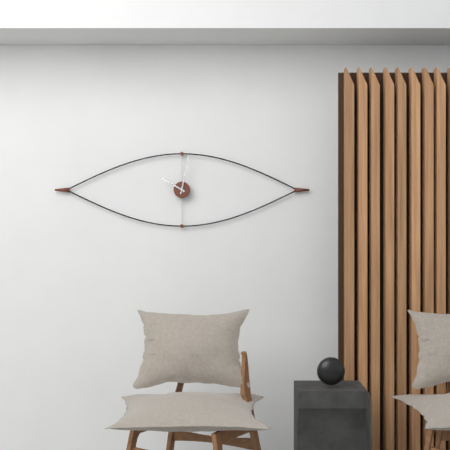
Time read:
h=10 m=2
